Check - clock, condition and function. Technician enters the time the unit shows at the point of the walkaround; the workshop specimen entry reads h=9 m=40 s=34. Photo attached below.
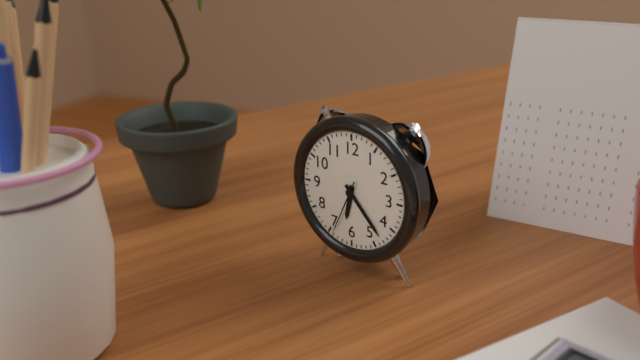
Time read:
h=6 m=23 s=34
